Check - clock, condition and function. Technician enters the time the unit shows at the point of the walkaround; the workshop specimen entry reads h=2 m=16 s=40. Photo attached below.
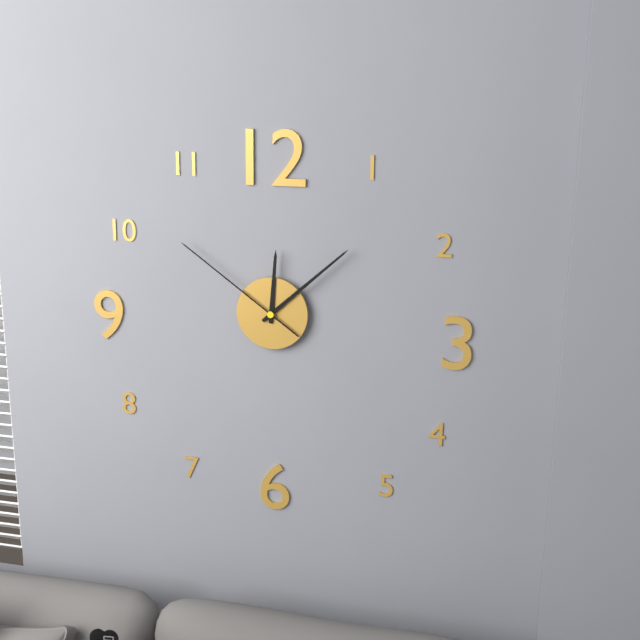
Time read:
h=12 m=8 s=51
